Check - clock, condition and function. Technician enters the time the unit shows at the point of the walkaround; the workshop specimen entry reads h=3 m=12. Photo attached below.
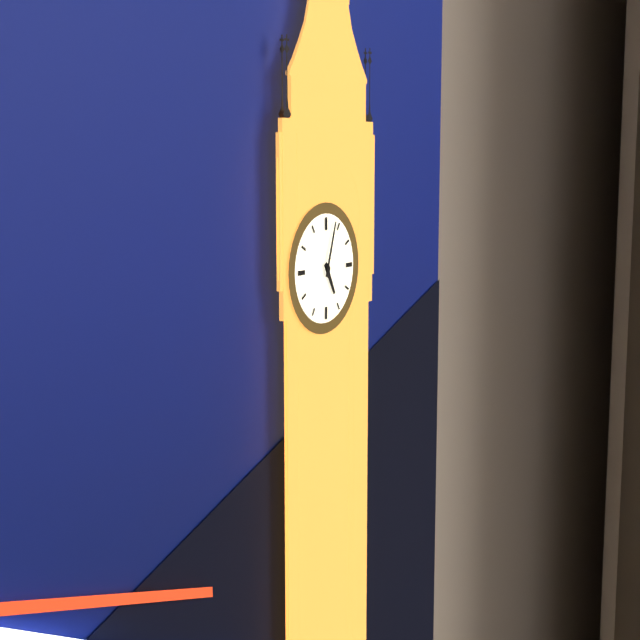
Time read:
h=5 m=3
